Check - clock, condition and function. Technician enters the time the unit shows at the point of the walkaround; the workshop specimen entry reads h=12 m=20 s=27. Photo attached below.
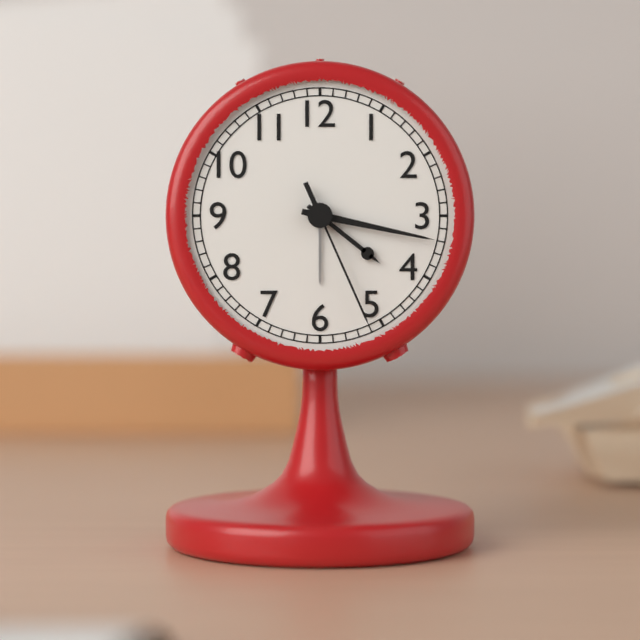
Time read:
h=4 m=17 s=26
